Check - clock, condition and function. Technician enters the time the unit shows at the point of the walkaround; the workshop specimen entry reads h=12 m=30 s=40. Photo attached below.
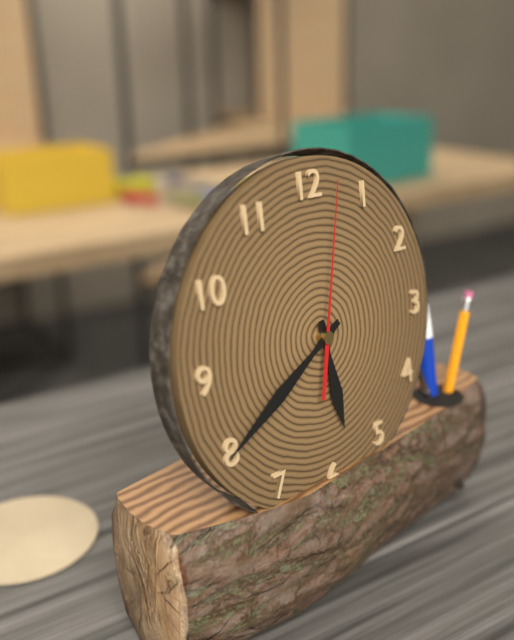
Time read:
h=5 m=40 s=2
